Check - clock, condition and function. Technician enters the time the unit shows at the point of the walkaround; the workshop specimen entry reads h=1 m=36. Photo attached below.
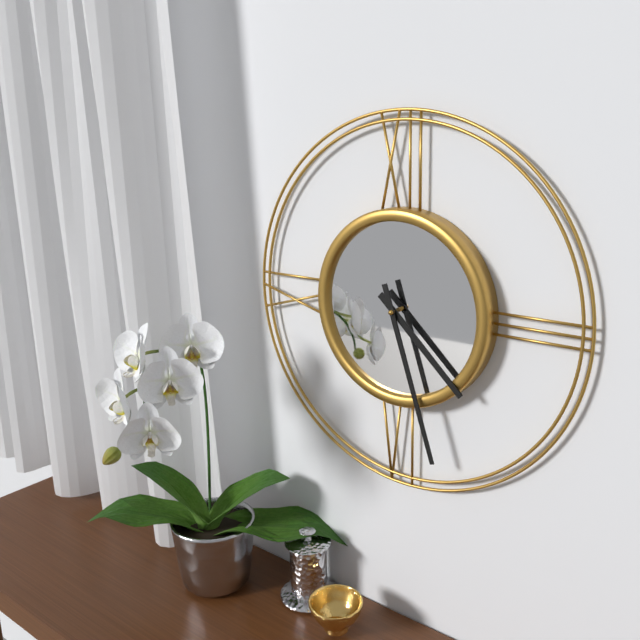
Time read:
h=4 m=27
